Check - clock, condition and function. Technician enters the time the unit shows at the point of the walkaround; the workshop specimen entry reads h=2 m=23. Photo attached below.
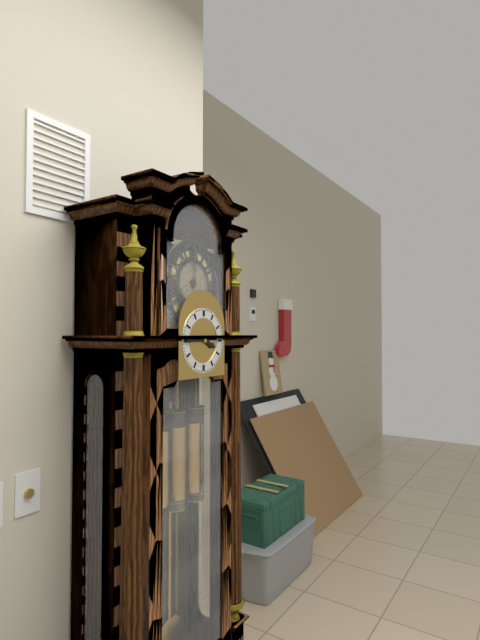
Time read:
h=3 m=45
